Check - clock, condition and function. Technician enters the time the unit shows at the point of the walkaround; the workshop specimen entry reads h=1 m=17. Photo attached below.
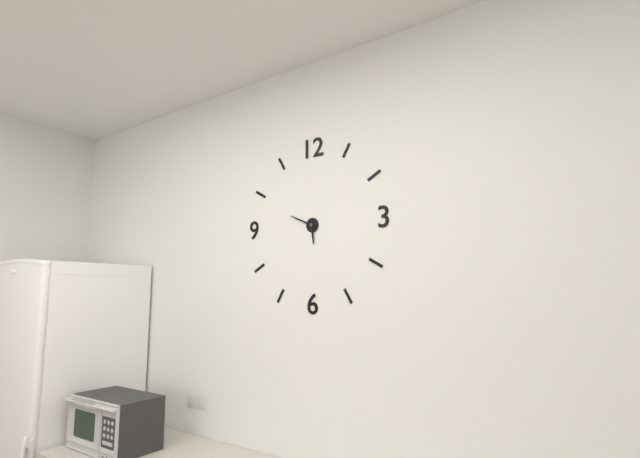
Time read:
h=5 m=49
